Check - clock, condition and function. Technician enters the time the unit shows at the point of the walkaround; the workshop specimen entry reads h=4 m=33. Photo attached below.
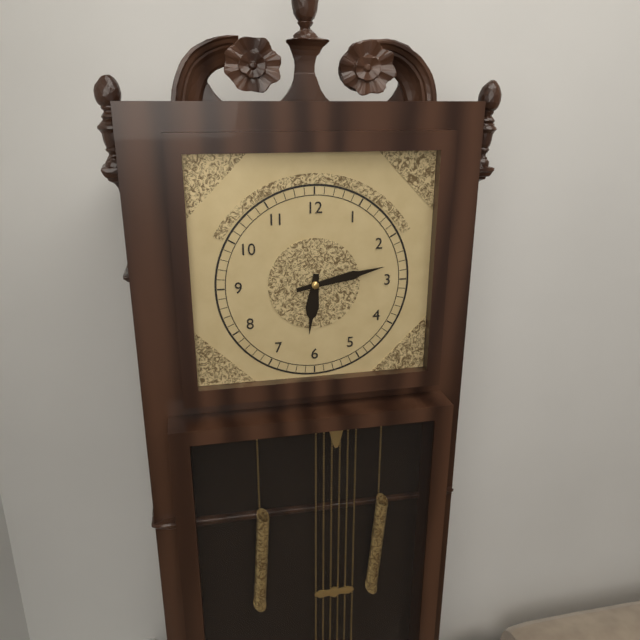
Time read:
h=6 m=13
